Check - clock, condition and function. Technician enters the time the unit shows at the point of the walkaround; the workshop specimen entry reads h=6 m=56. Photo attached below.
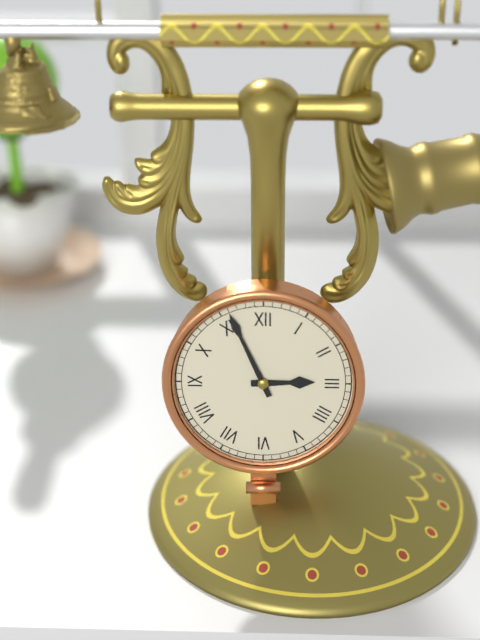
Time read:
h=2 m=56
